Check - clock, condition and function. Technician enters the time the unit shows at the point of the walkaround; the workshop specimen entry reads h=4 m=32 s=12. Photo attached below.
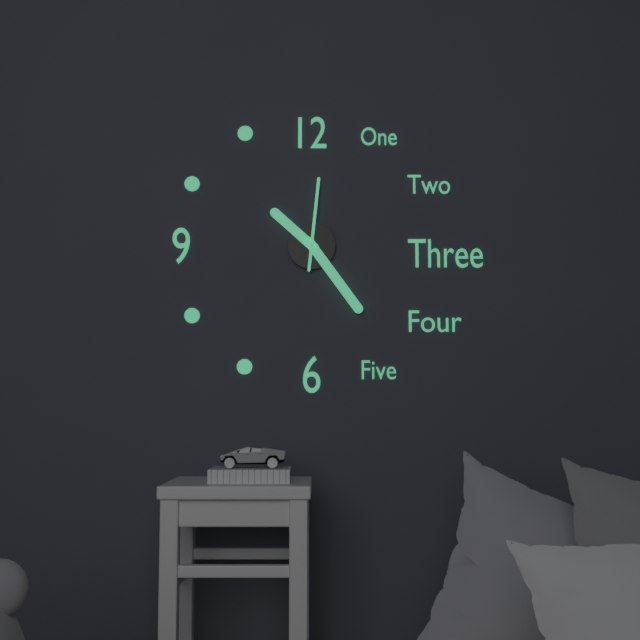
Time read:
h=10 m=24 s=1
